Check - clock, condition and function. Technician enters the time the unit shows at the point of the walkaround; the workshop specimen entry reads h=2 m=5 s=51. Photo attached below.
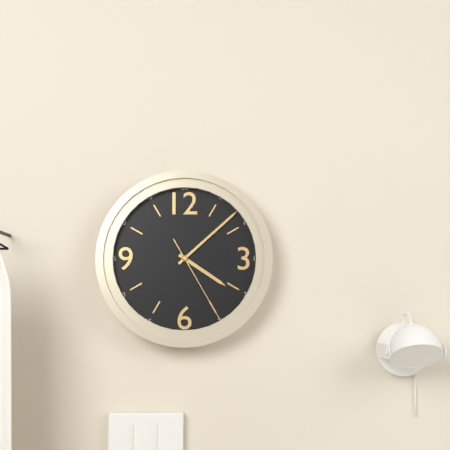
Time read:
h=4 m=8 s=25
